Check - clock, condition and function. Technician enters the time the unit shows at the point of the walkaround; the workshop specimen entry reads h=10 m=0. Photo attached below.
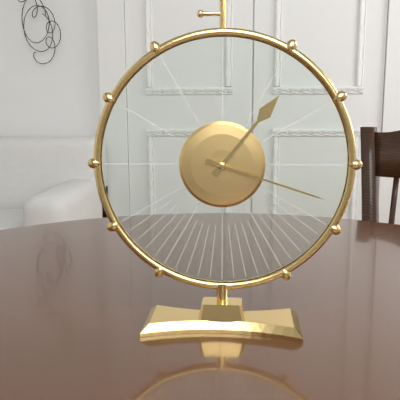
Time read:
h=1 m=18
